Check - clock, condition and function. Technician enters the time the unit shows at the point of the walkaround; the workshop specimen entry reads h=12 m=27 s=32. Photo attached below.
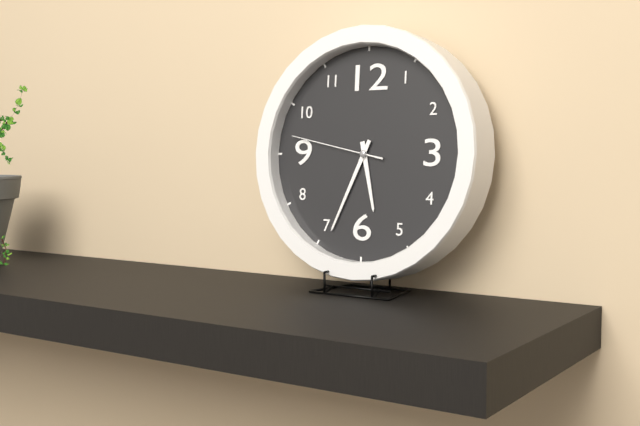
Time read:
h=5 m=34 s=47
